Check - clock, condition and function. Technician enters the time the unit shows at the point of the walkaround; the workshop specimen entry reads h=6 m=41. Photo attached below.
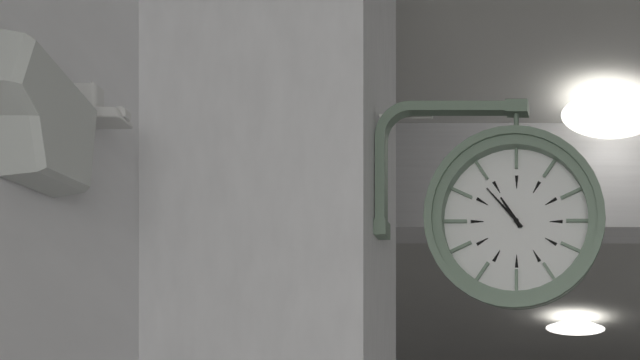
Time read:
h=10 m=53
